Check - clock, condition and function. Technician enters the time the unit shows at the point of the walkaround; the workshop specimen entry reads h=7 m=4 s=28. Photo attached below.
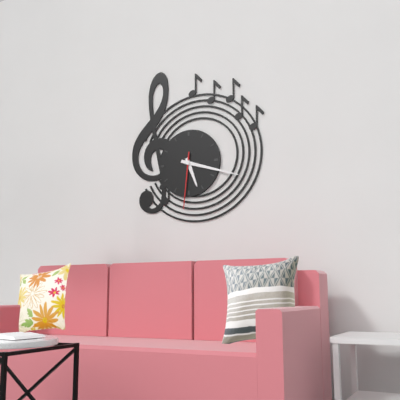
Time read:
h=5 m=18 s=31
